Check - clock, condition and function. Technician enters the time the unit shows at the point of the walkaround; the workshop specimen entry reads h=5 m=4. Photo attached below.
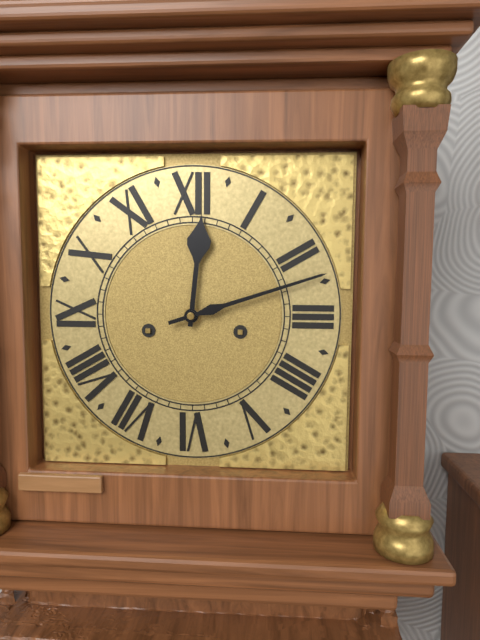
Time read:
h=12 m=12
